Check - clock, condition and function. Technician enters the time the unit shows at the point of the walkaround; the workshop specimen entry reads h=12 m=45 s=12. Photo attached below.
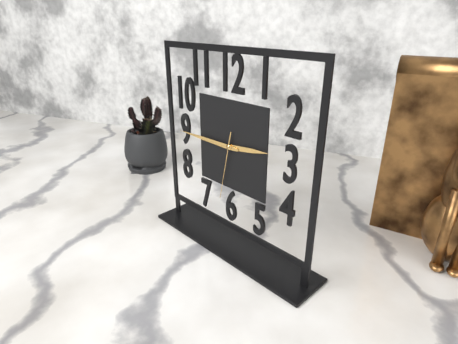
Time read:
h=2 m=45 s=32
